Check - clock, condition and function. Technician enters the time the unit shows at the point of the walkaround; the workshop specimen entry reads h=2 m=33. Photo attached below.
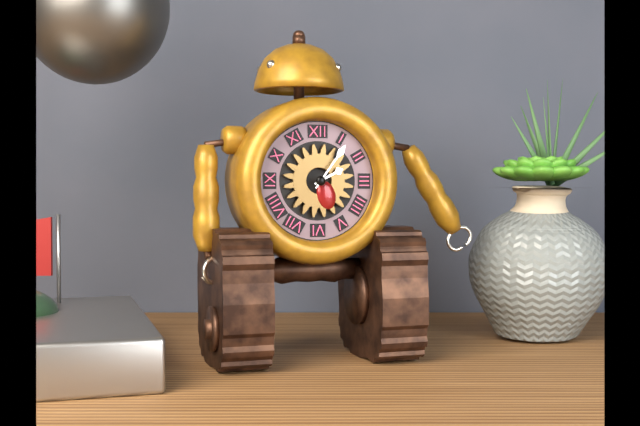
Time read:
h=2 m=6
